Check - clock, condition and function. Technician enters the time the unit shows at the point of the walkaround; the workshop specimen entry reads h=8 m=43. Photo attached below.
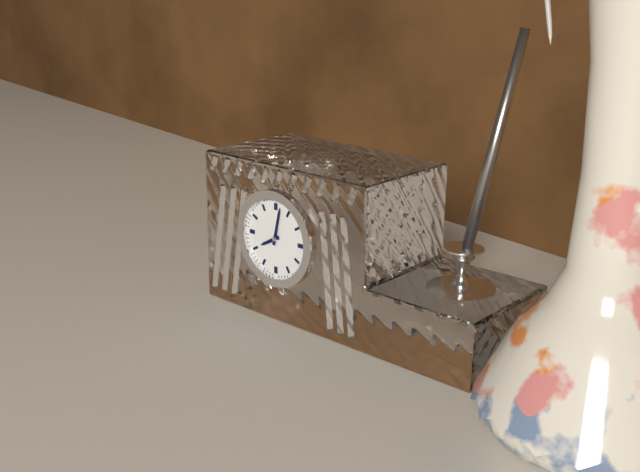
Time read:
h=8 m=2
